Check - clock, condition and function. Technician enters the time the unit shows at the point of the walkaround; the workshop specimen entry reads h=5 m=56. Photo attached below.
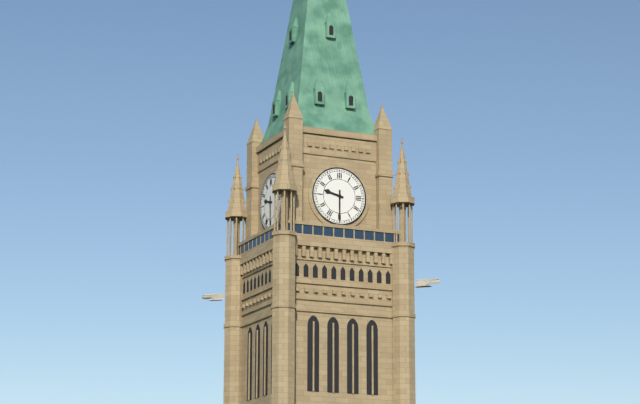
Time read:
h=9 m=30
